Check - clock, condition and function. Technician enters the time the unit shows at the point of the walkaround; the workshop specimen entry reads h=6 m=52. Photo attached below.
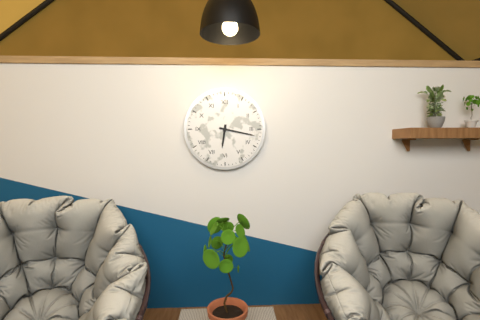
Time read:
h=6 m=17
